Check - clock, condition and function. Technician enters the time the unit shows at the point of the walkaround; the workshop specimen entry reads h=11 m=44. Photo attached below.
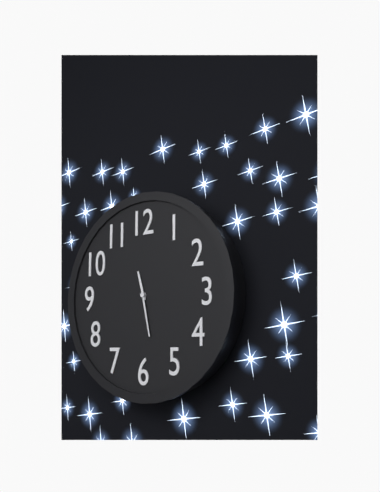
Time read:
h=11 m=28
